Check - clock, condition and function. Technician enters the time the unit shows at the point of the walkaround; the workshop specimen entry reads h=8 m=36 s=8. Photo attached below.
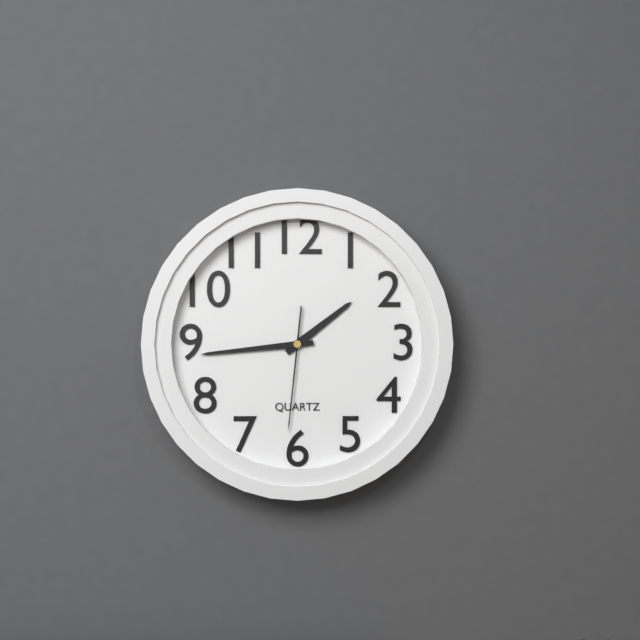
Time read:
h=1 m=44 s=31
